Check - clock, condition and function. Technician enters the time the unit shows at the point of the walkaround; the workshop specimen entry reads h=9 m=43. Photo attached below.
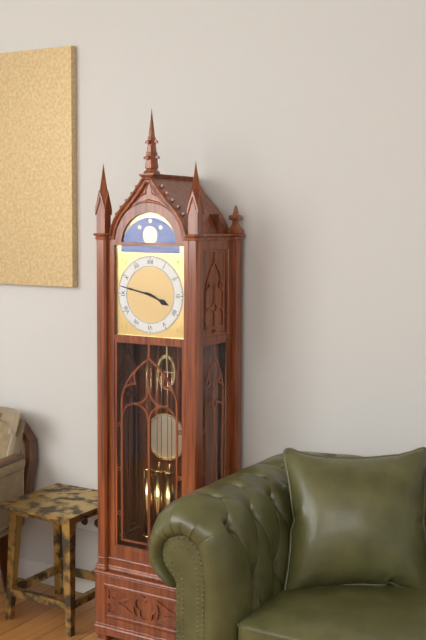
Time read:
h=3 m=47
